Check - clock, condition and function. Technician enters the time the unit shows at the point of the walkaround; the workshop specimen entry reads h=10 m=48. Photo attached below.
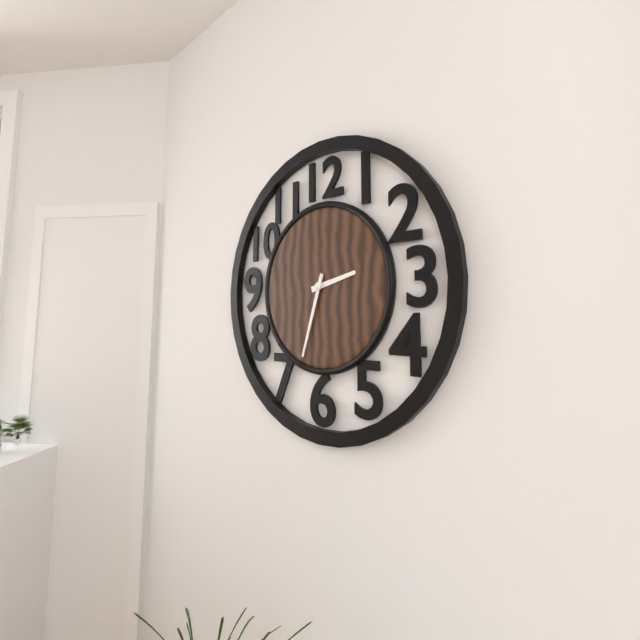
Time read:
h=2 m=33
